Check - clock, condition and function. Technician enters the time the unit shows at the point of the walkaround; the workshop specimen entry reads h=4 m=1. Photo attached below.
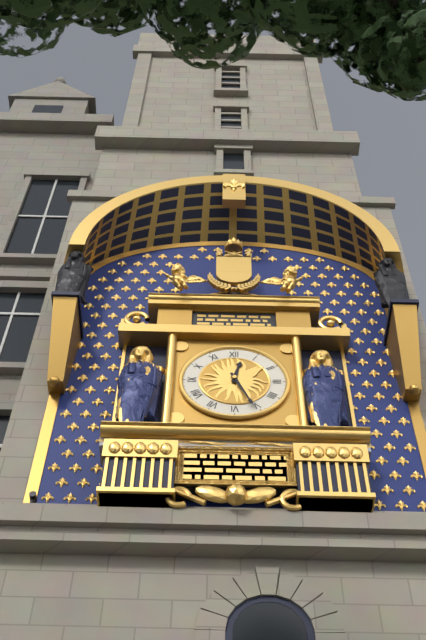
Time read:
h=12 m=26
